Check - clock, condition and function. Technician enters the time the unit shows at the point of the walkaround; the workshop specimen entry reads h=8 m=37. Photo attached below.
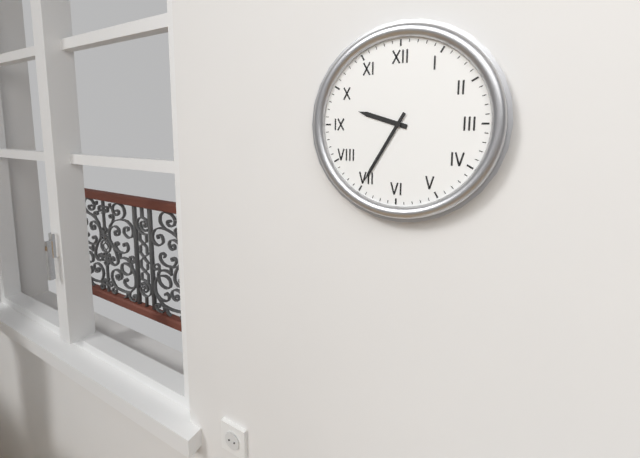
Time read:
h=9 m=35
